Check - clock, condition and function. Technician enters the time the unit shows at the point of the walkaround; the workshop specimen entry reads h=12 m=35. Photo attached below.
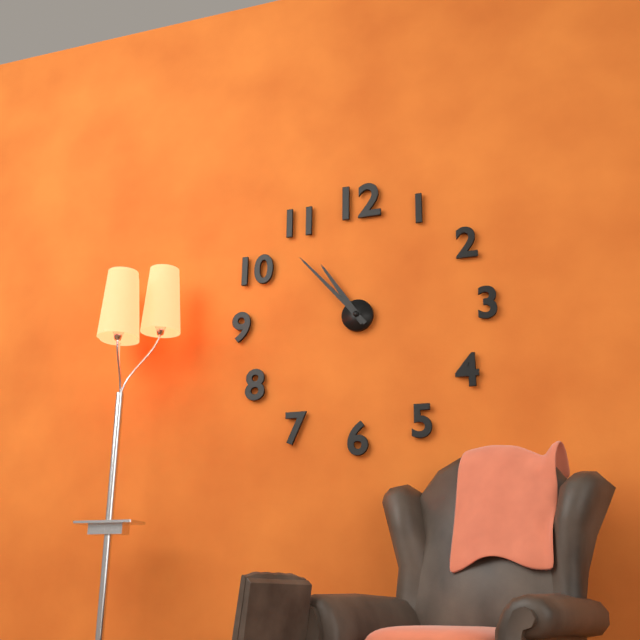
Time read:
h=10 m=53
